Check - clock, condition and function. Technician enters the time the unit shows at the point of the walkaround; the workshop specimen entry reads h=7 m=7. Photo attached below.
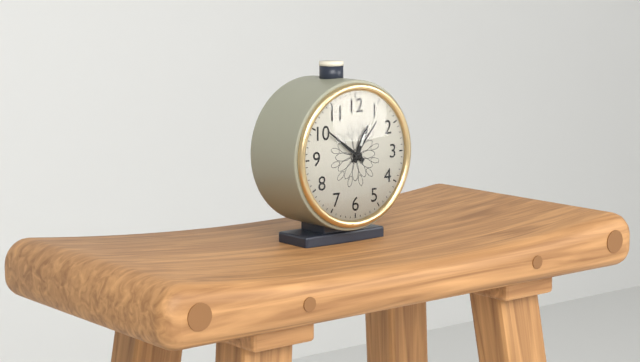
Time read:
h=12 m=51
